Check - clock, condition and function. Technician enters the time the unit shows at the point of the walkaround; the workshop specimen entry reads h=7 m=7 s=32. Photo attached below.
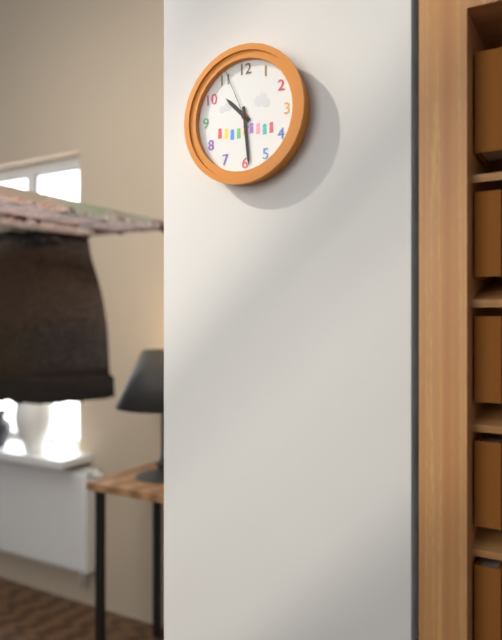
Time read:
h=10 m=29 s=56
